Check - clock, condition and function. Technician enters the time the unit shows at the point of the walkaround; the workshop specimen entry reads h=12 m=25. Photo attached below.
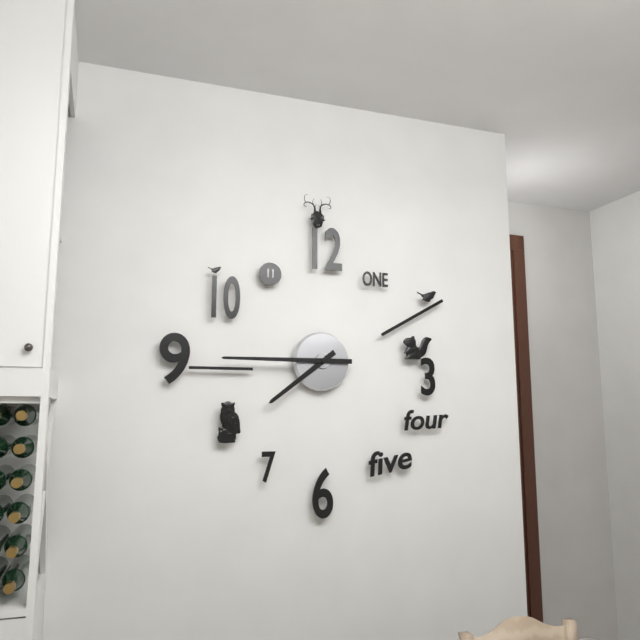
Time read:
h=7 m=45
